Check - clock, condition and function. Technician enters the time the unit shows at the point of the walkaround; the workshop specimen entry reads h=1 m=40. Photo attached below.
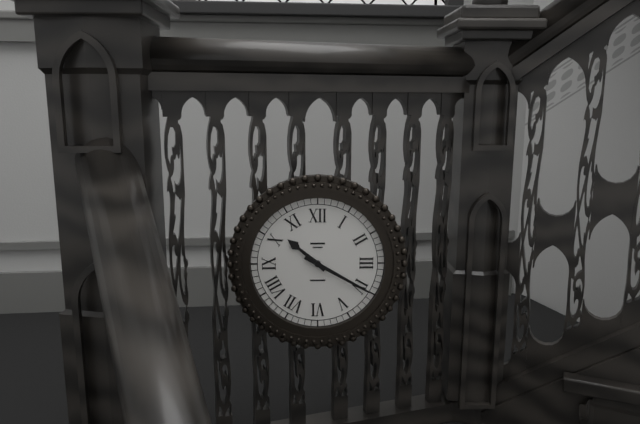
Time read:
h=10 m=20
